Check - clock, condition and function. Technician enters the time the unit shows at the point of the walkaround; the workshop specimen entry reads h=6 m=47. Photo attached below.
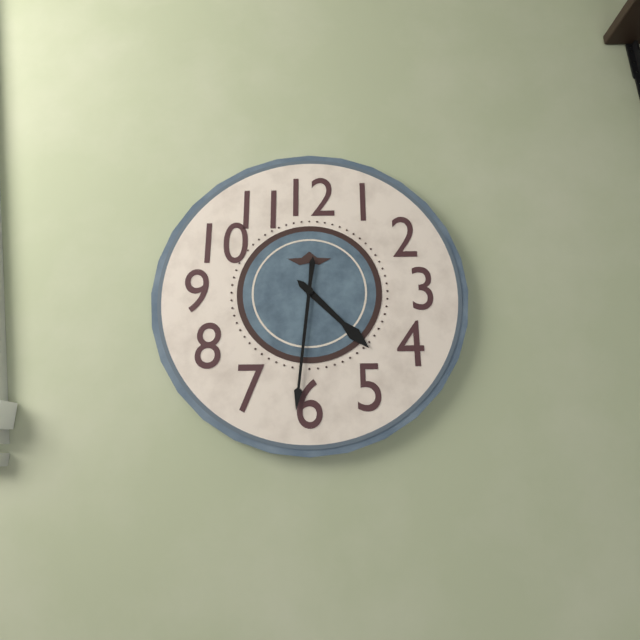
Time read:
h=4 m=31
